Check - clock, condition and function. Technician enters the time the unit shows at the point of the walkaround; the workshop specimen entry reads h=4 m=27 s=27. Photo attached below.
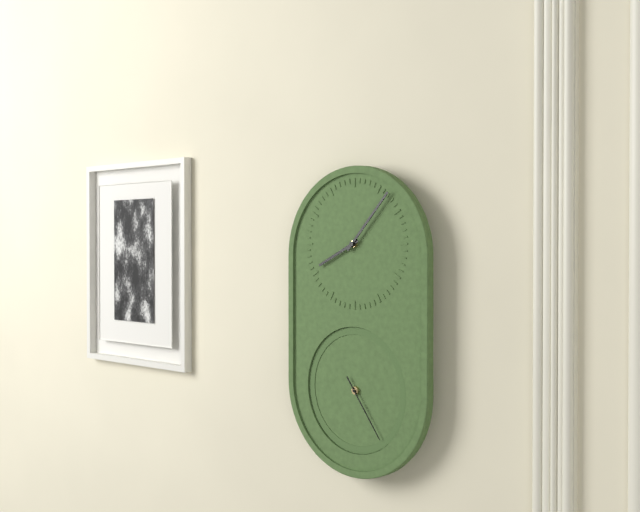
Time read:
h=8 m=7 s=24
